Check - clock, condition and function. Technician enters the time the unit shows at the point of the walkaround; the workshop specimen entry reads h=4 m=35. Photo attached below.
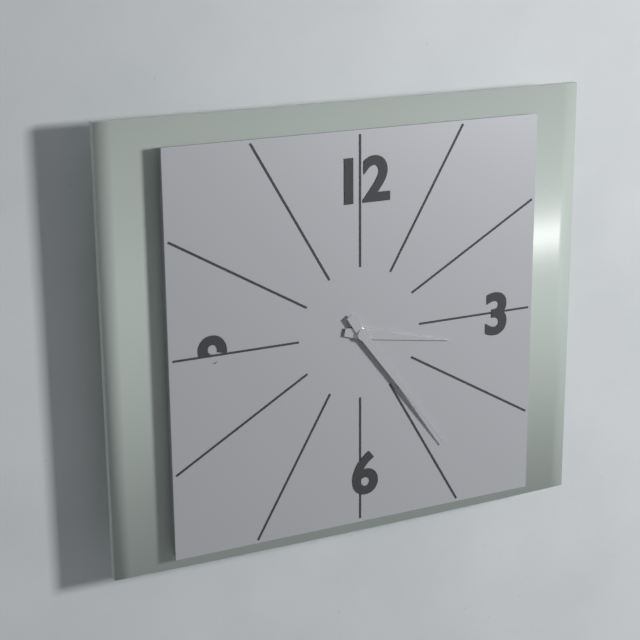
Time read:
h=3 m=24
